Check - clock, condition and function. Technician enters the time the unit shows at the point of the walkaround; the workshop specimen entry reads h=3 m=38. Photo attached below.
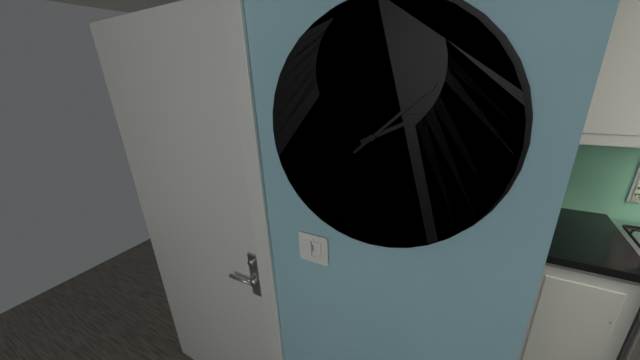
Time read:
h=2 m=8
